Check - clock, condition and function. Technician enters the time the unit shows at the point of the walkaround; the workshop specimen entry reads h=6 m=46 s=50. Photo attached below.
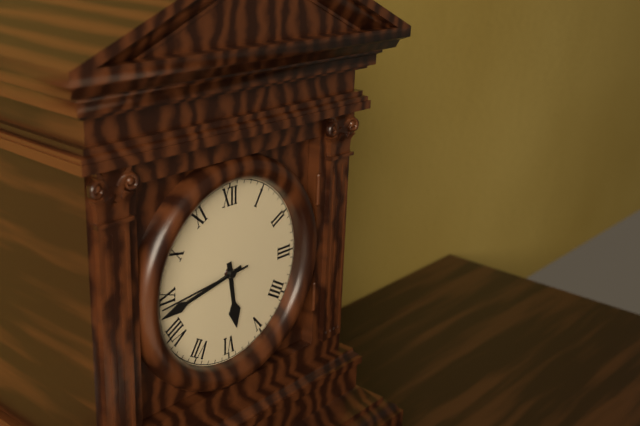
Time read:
h=5 m=43 s=44
